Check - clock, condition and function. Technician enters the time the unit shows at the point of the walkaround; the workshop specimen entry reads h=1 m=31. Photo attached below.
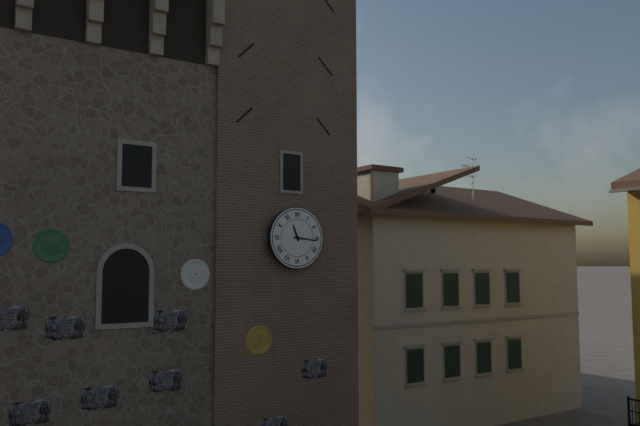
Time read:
h=11 m=16
